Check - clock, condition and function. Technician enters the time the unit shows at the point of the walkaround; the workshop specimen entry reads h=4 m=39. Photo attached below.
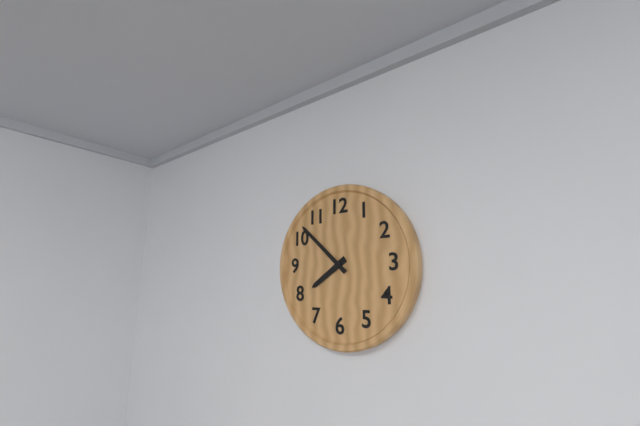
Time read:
h=7 m=52
